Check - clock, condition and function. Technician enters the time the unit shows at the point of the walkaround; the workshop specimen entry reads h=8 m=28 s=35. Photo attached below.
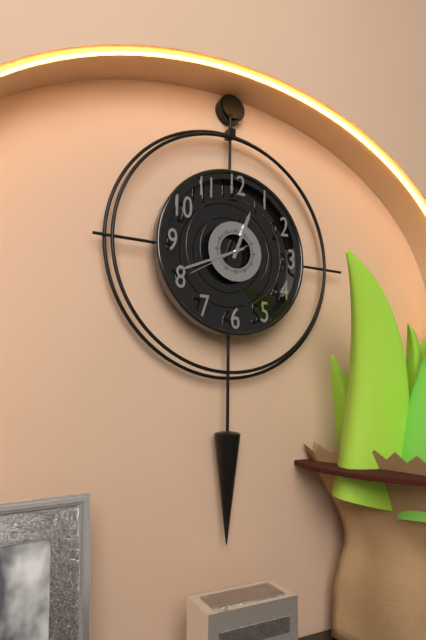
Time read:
h=12 m=41 s=40
